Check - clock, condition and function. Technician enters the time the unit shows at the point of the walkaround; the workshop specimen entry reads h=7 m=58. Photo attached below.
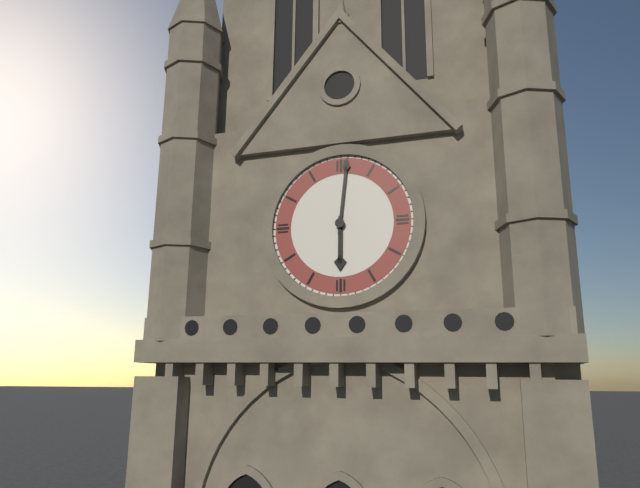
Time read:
h=6 m=1
